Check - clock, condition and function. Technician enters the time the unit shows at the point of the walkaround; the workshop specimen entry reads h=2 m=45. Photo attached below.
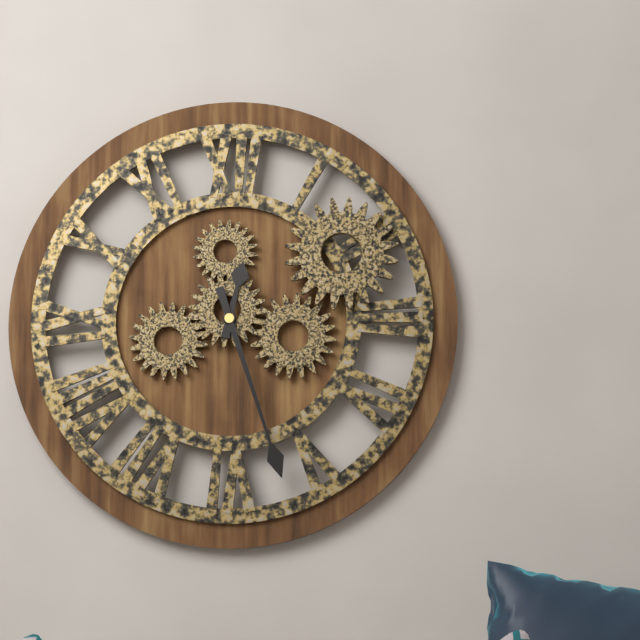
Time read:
h=12 m=27
